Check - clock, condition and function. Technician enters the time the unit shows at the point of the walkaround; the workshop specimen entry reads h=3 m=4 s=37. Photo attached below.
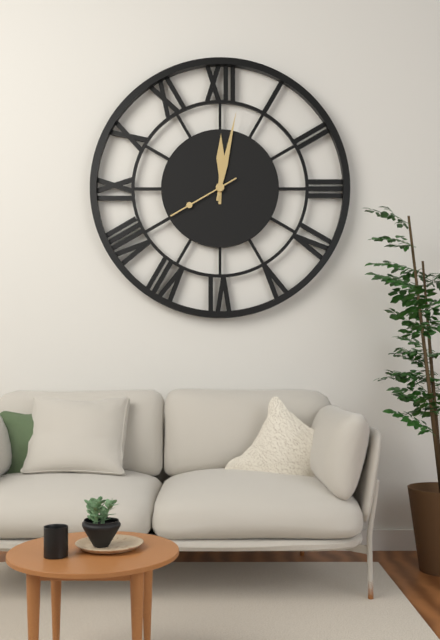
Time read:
h=12 m=2 s=40
